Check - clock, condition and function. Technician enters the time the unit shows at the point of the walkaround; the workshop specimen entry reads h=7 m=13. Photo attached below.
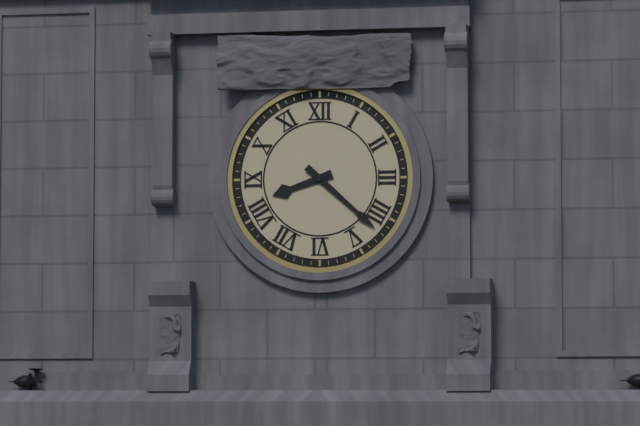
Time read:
h=8 m=22
